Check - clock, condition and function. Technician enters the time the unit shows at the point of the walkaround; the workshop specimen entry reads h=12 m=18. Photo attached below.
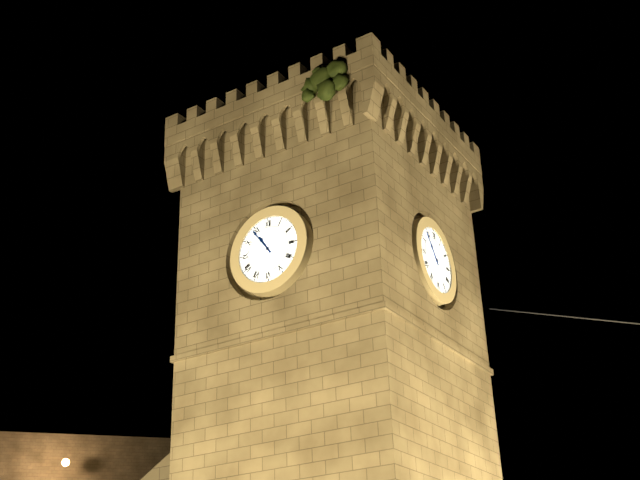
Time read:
h=10 m=54
